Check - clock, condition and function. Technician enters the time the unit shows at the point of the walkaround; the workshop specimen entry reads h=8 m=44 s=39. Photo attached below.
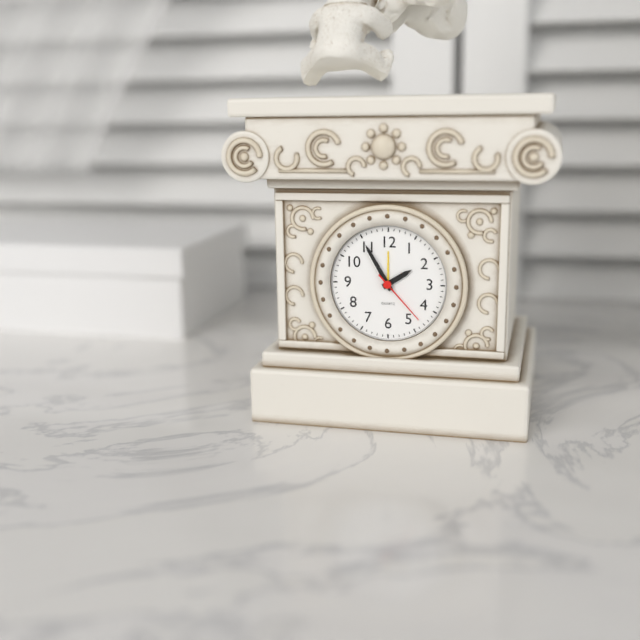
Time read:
h=1 m=55 s=23
